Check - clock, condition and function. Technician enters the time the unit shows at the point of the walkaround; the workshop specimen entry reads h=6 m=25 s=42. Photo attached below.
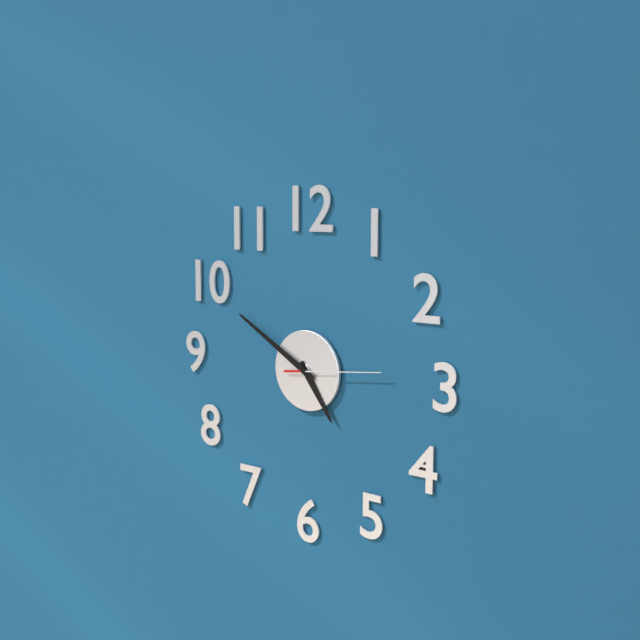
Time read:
h=4 m=50 s=14
